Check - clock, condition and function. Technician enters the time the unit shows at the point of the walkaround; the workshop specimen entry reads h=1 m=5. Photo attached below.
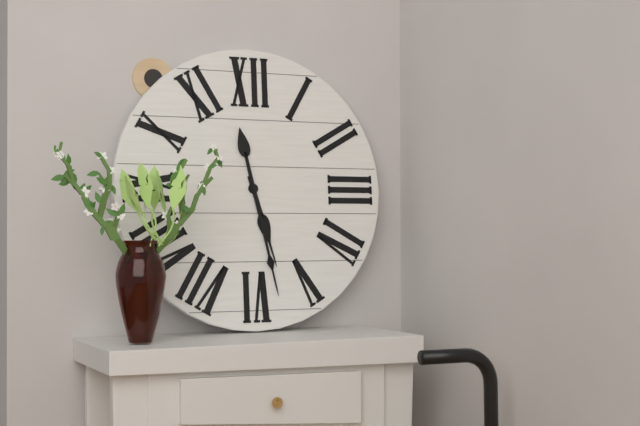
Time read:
h=5 m=28
